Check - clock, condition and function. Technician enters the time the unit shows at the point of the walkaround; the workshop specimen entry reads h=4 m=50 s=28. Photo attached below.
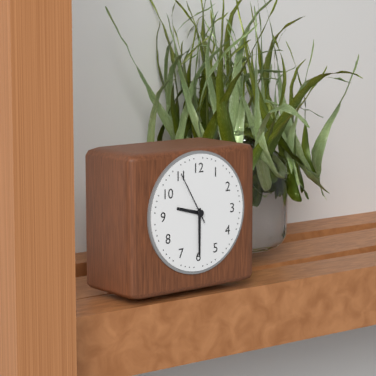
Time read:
h=9 m=30 s=55
